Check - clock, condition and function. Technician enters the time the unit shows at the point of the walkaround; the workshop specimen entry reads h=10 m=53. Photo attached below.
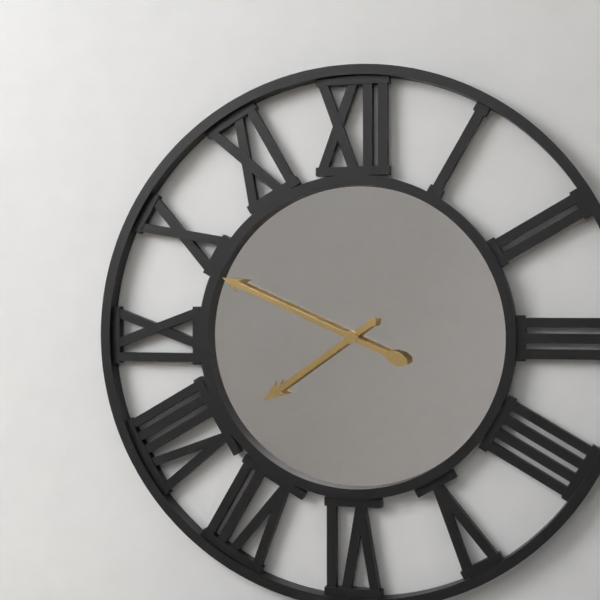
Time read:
h=7 m=49
